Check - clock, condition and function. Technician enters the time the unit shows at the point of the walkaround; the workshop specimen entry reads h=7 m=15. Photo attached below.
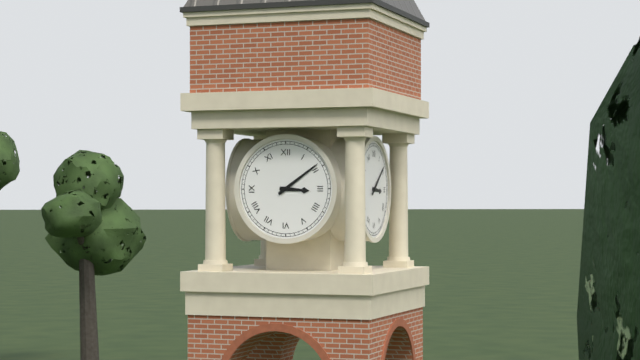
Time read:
h=3 m=9
